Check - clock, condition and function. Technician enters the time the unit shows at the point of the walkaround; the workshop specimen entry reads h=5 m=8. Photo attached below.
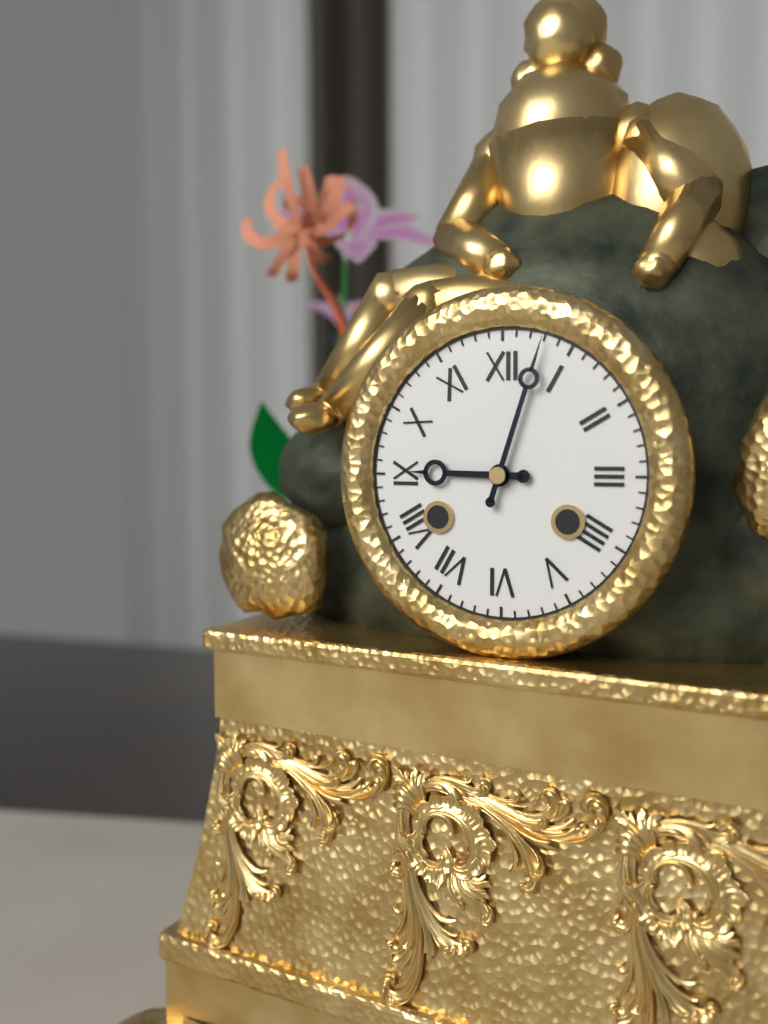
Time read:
h=9 m=3
